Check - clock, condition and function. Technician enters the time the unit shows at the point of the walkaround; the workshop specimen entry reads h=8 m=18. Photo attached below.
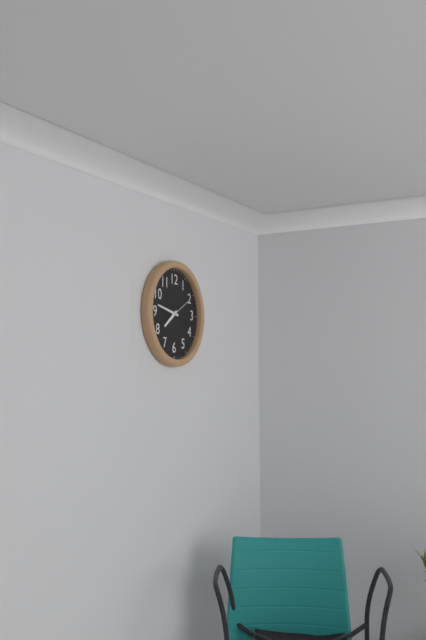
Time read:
h=7 m=47
